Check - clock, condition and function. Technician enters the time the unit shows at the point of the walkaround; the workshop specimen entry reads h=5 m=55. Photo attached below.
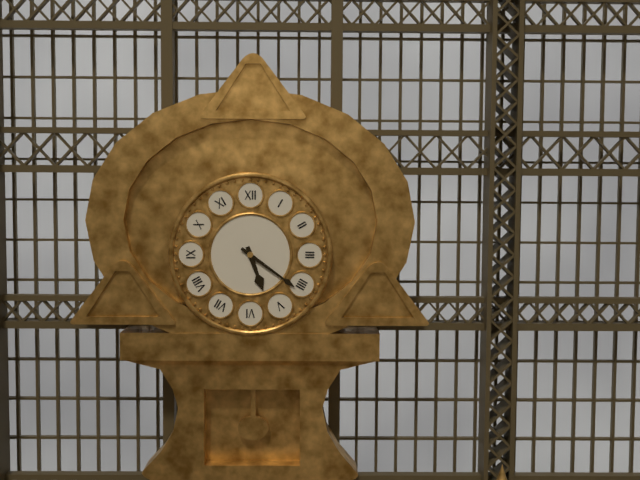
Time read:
h=5 m=21
